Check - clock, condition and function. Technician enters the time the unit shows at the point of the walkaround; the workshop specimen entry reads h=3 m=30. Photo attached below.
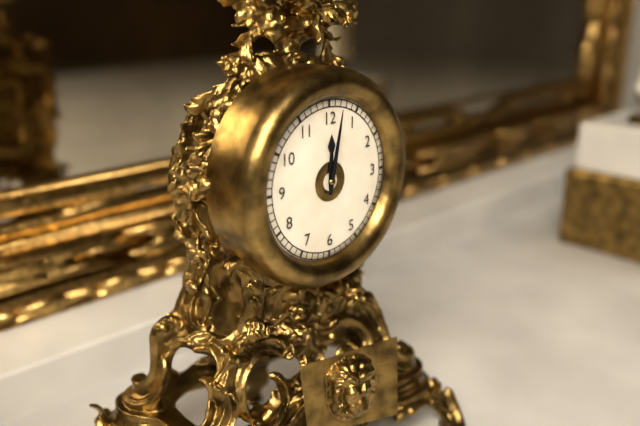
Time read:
h=12 m=2
